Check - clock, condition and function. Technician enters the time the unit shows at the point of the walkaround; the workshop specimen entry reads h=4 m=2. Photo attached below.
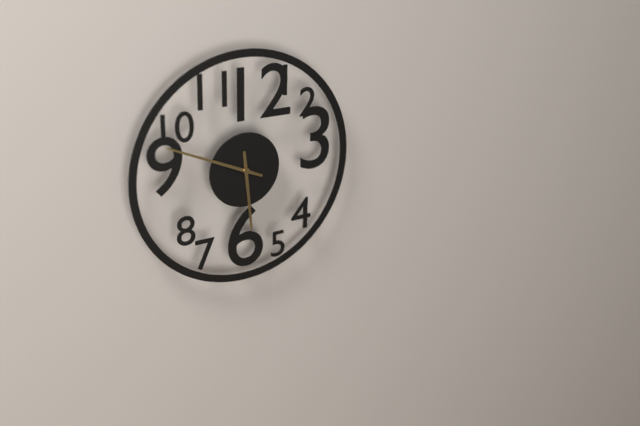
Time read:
h=5 m=49
